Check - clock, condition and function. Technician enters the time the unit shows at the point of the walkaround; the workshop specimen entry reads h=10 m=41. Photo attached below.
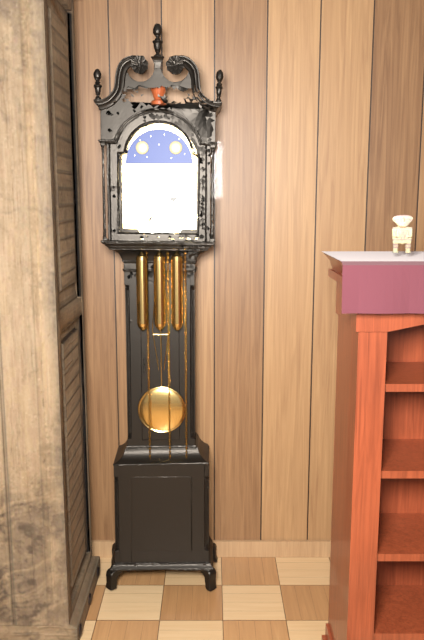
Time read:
h=2 m=35
